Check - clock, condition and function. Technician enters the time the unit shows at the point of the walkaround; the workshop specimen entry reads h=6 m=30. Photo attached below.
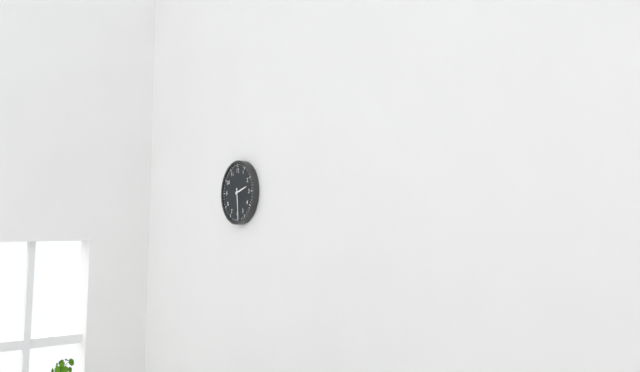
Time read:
h=2 m=29
